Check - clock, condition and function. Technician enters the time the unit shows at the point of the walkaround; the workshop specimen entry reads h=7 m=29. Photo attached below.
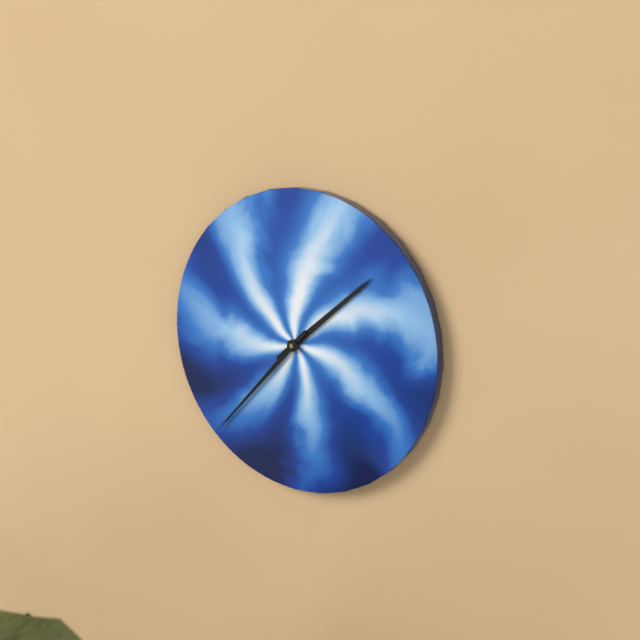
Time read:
h=1 m=37
